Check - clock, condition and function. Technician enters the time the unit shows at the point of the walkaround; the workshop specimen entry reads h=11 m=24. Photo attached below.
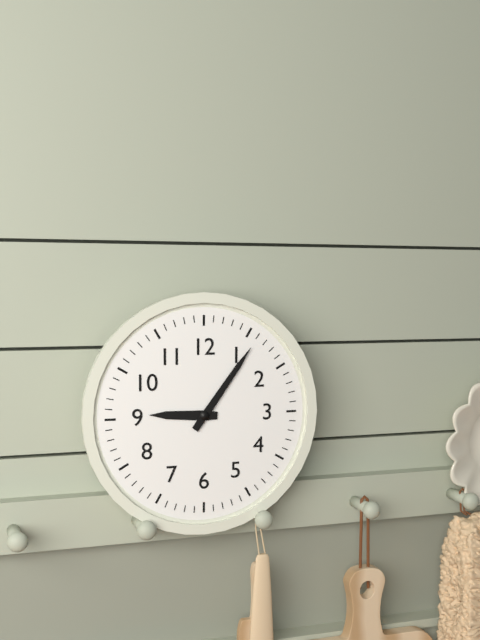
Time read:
h=9 m=6
